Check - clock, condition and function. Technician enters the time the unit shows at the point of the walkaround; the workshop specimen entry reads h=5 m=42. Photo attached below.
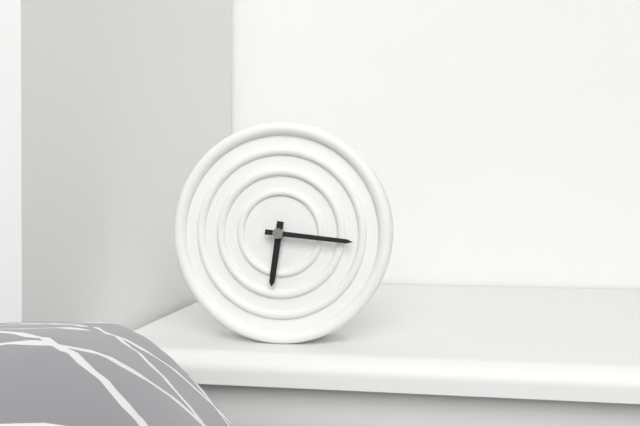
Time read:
h=6 m=16
